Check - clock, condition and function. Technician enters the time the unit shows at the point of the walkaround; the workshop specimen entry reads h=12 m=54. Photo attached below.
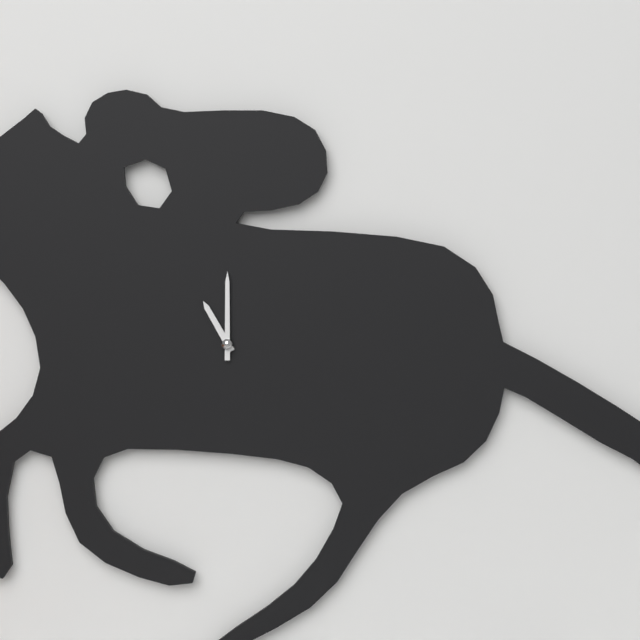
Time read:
h=11 m=0
